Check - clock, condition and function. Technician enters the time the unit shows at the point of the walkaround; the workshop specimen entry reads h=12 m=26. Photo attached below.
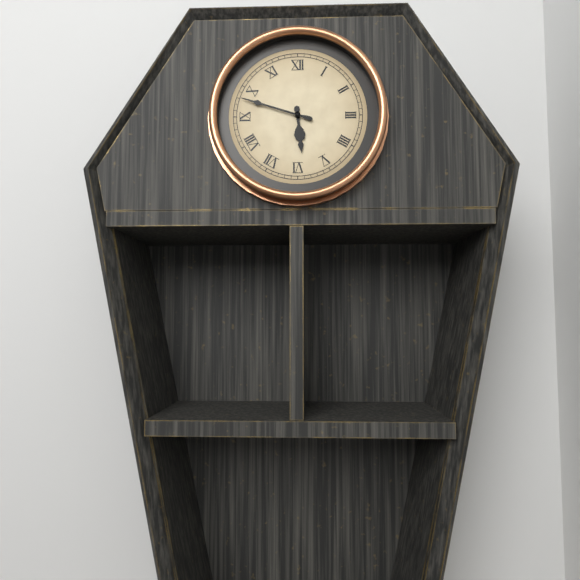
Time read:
h=5 m=48
